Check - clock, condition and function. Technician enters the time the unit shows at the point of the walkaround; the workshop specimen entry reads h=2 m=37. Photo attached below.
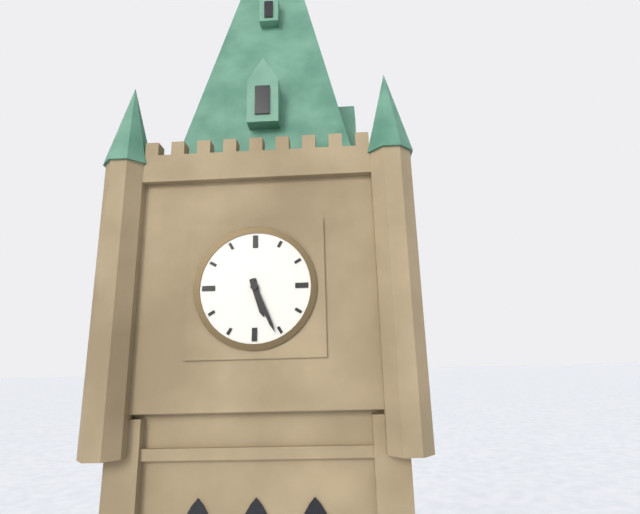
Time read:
h=5 m=26
